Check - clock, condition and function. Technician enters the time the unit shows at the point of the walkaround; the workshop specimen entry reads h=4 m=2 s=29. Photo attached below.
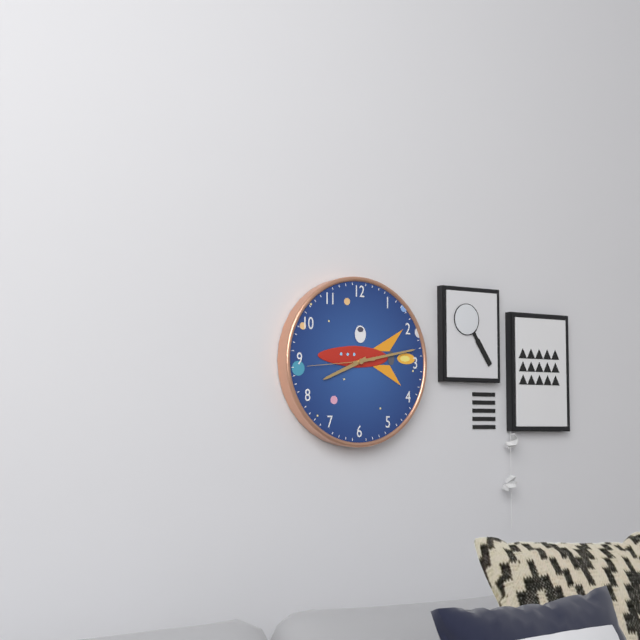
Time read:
h=8 m=13 s=44
